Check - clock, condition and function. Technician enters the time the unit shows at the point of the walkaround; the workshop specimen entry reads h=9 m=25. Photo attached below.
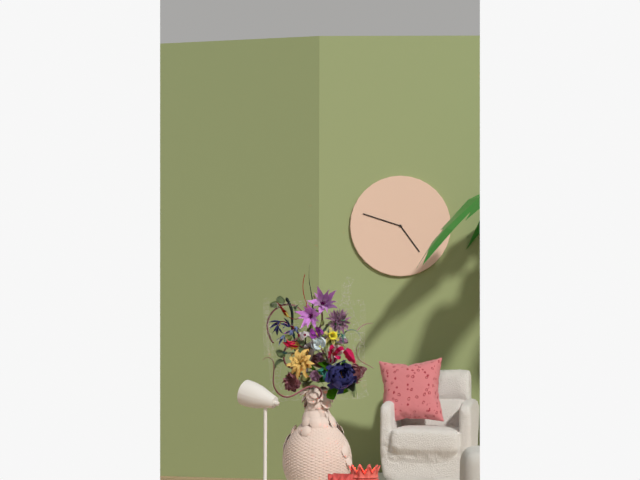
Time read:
h=4 m=48
